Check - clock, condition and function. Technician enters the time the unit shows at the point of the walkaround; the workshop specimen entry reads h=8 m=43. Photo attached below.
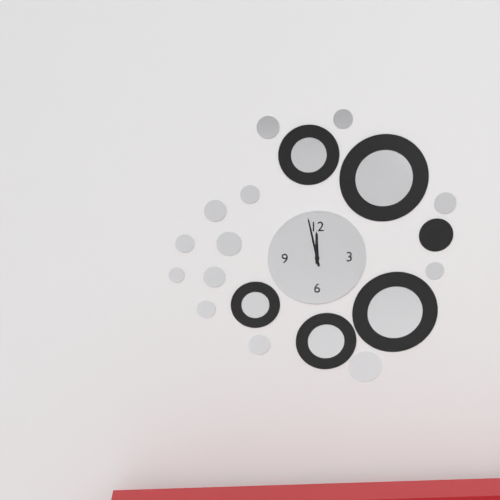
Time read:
h=11 m=58
